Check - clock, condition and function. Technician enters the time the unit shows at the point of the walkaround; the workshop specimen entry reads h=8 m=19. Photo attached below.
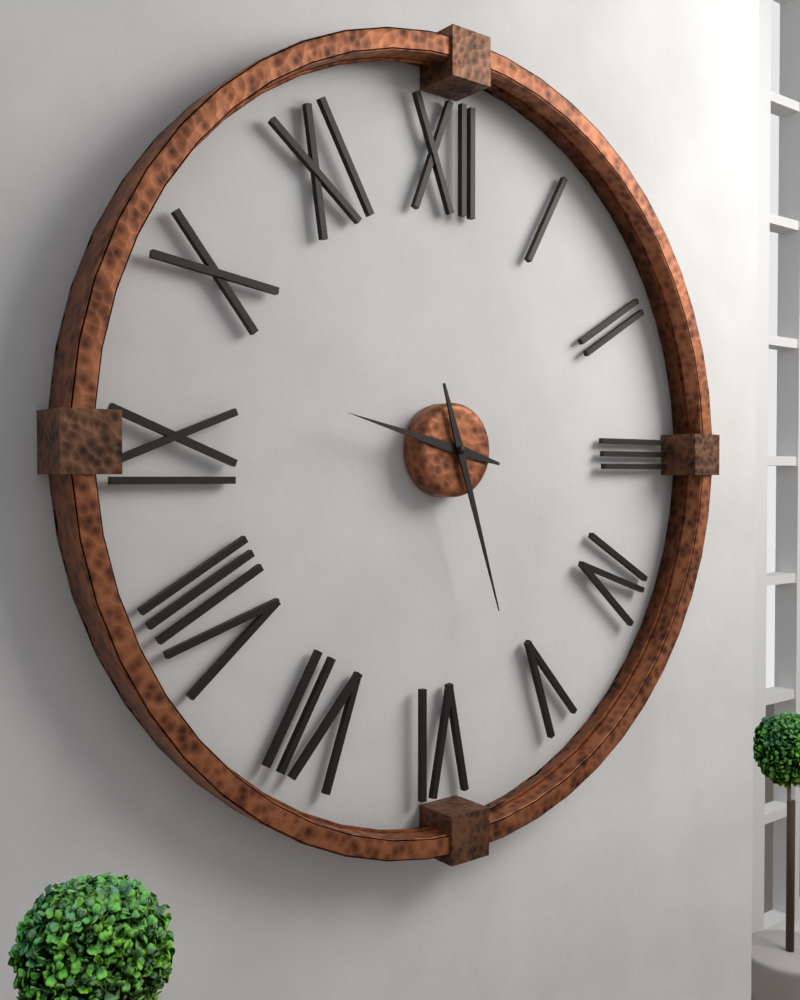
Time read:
h=9 m=27
